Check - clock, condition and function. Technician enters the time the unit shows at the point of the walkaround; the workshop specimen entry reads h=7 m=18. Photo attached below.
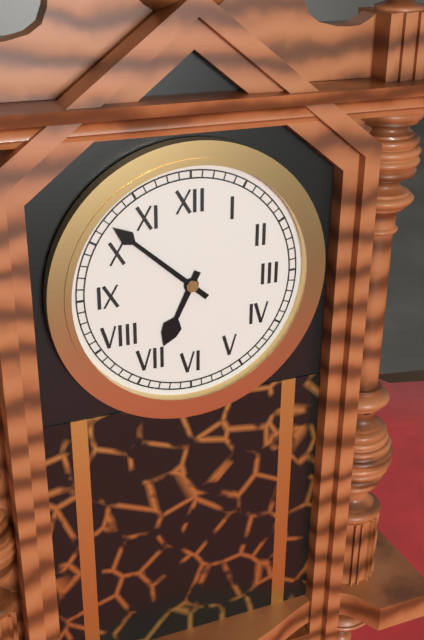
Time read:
h=6 m=52
